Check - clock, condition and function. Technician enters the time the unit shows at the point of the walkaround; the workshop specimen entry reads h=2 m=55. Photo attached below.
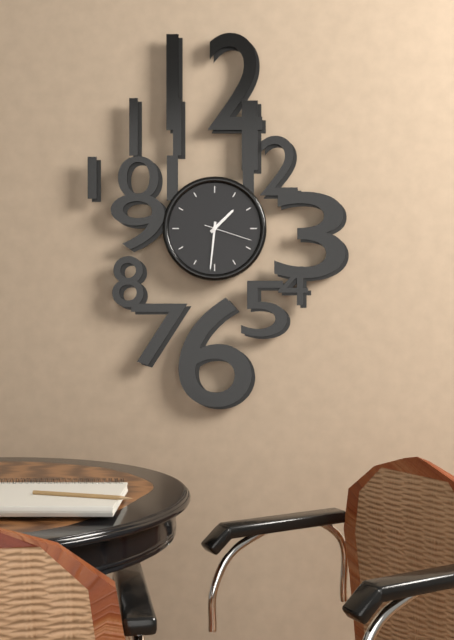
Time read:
h=1 m=31
